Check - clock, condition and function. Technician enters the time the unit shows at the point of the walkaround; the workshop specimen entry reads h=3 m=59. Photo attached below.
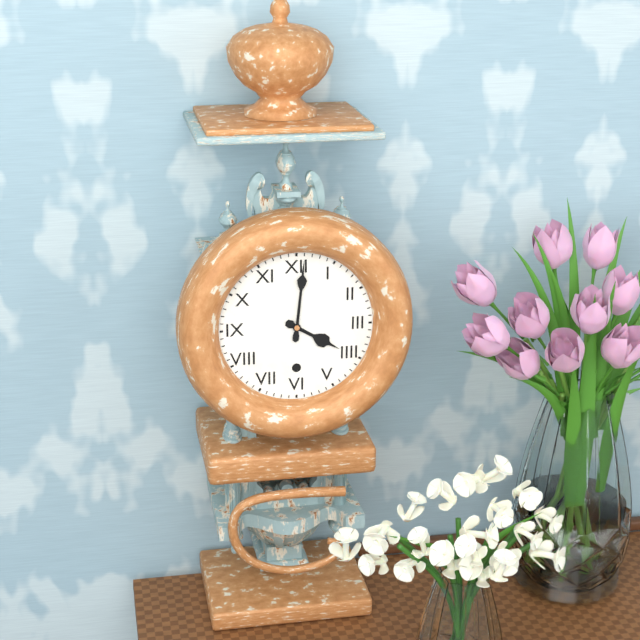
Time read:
h=4 m=1
